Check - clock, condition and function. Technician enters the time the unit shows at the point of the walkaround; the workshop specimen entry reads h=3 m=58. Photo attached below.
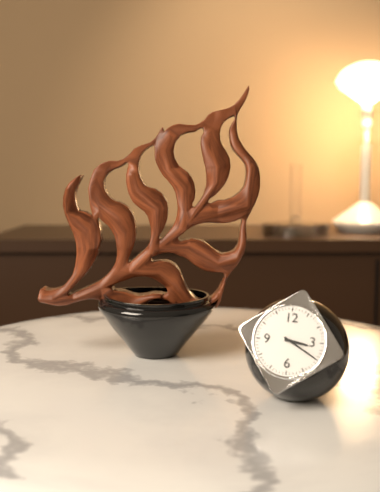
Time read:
h=3 m=20
